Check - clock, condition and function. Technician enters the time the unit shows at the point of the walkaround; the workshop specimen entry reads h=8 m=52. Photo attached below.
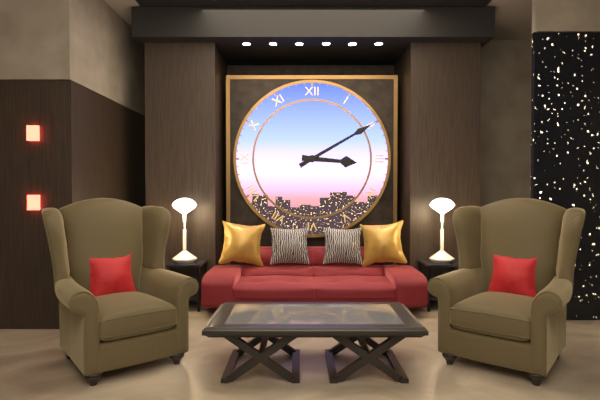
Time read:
h=3 m=10
